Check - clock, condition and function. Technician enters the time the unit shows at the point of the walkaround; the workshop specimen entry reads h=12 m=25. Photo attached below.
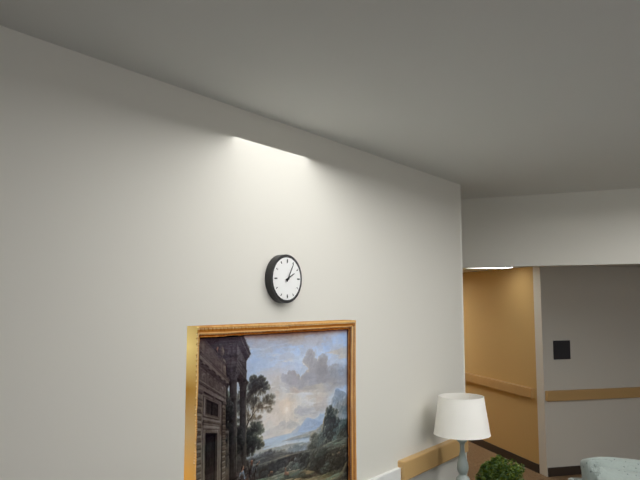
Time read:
h=2 m=5
